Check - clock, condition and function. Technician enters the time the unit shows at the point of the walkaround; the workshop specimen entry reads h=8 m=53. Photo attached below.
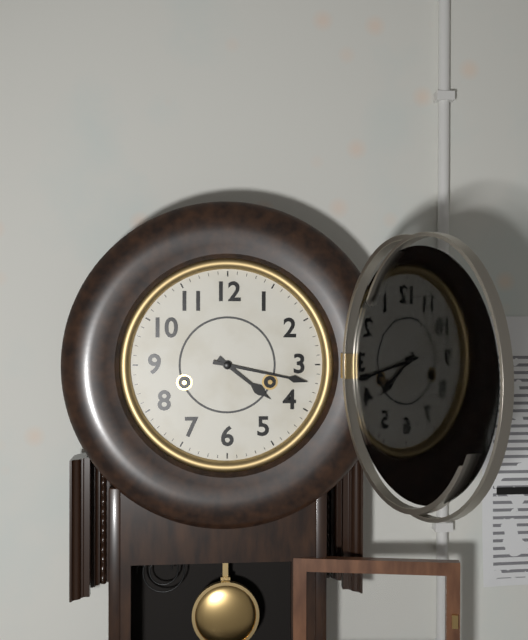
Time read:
h=4 m=17
